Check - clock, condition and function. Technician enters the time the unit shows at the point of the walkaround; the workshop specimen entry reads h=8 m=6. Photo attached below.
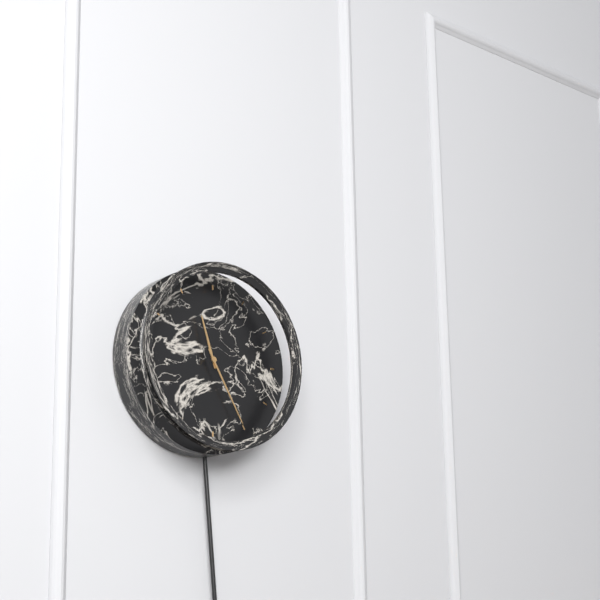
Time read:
h=11 m=25
